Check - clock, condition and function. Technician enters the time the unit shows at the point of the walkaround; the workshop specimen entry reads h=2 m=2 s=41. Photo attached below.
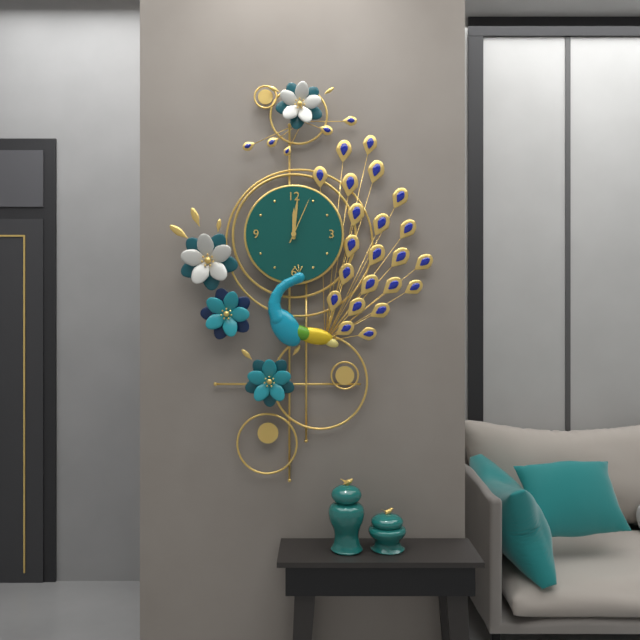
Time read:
h=12 m=1 s=4
